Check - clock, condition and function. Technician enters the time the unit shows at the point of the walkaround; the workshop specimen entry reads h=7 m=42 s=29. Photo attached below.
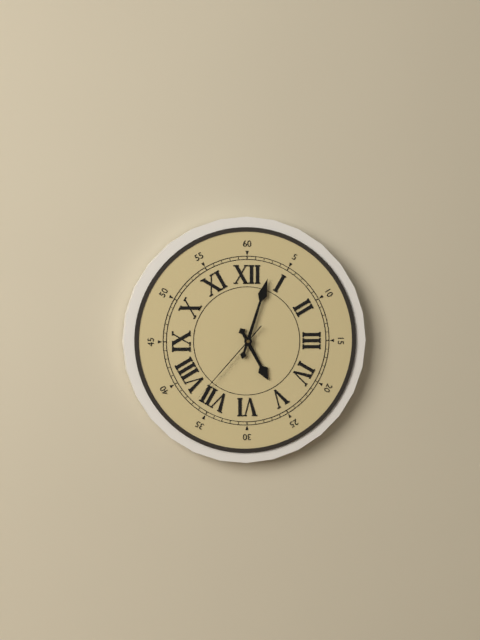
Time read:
h=5 m=3 s=37
